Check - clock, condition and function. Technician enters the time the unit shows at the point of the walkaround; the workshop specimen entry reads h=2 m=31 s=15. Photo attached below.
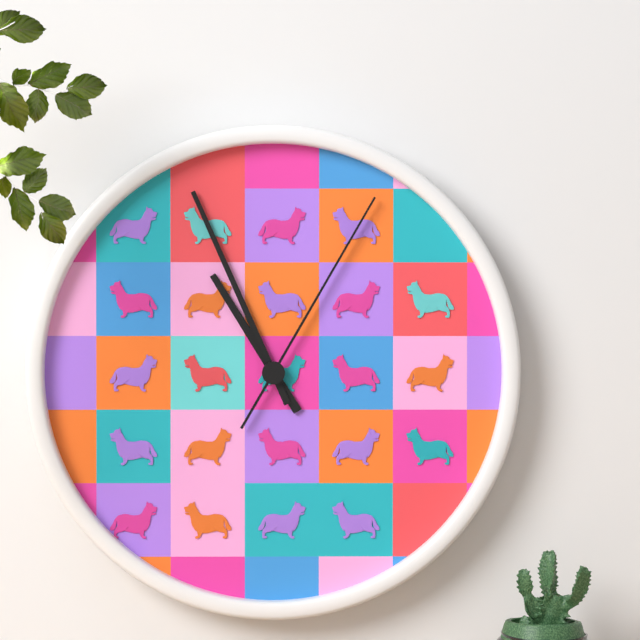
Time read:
h=10 m=56 s=5
